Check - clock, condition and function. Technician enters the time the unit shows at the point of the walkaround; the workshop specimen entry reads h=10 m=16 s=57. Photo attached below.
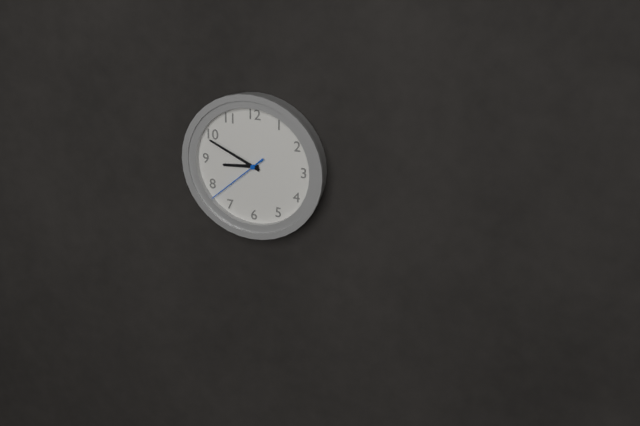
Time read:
h=8 m=49 s=38
